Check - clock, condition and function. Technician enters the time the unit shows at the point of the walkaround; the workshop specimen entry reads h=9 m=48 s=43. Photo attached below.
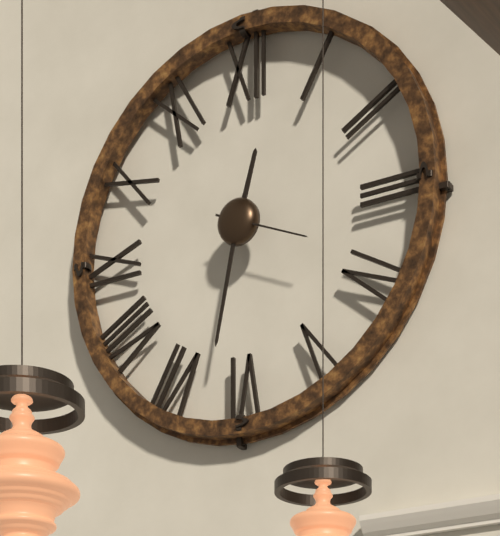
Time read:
h=12 m=32 s=19
